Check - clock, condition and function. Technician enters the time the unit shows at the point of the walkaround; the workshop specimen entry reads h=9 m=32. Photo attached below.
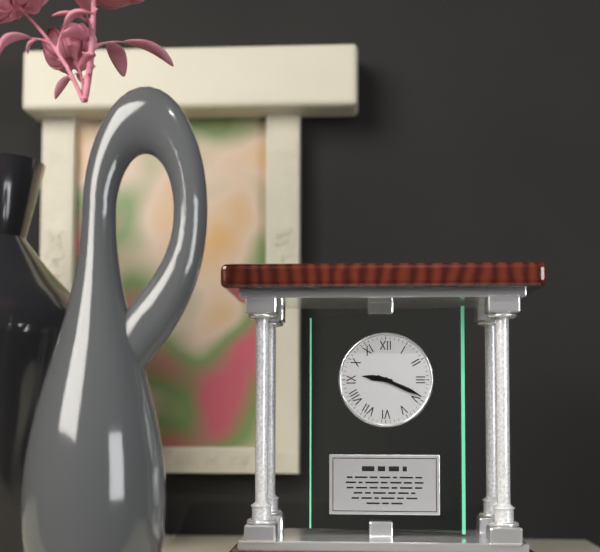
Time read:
h=9 m=19
